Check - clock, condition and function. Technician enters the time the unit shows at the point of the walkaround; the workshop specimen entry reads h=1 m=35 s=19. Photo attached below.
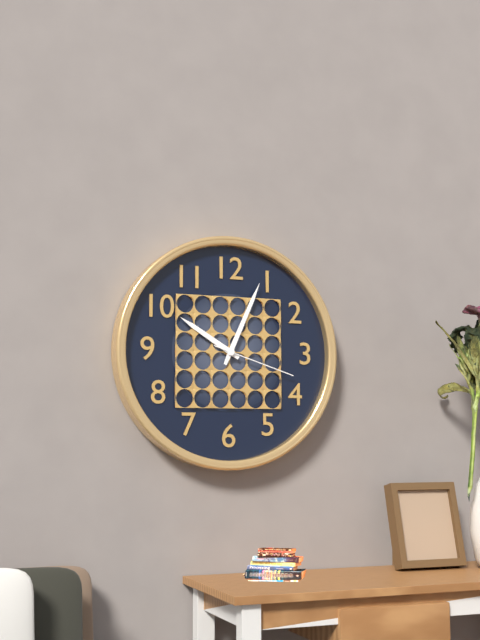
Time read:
h=10 m=4 s=18
